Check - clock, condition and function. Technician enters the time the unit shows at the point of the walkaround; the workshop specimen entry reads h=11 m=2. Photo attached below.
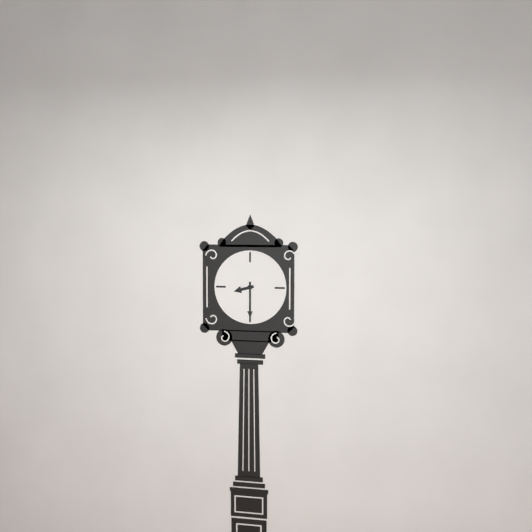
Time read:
h=8 m=30
